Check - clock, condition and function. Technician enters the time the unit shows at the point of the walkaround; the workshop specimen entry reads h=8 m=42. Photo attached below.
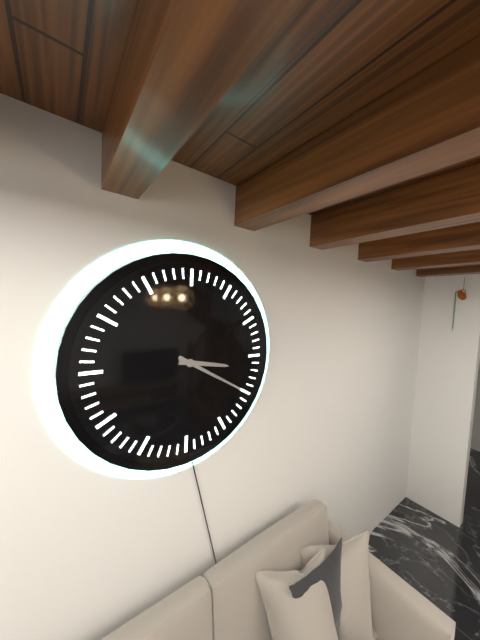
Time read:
h=3 m=20
